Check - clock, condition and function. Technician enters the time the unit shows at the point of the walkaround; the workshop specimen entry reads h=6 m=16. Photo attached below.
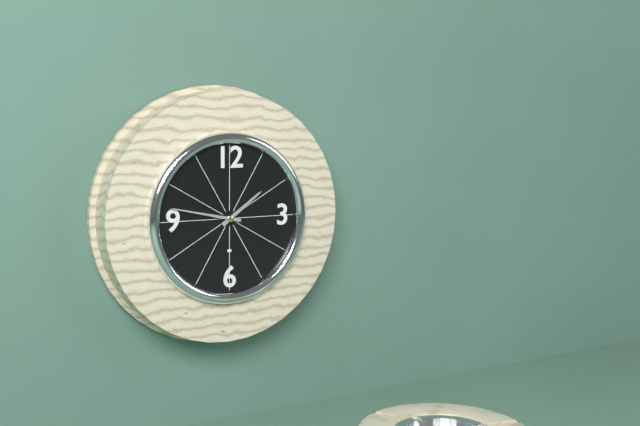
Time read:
h=1 m=47
